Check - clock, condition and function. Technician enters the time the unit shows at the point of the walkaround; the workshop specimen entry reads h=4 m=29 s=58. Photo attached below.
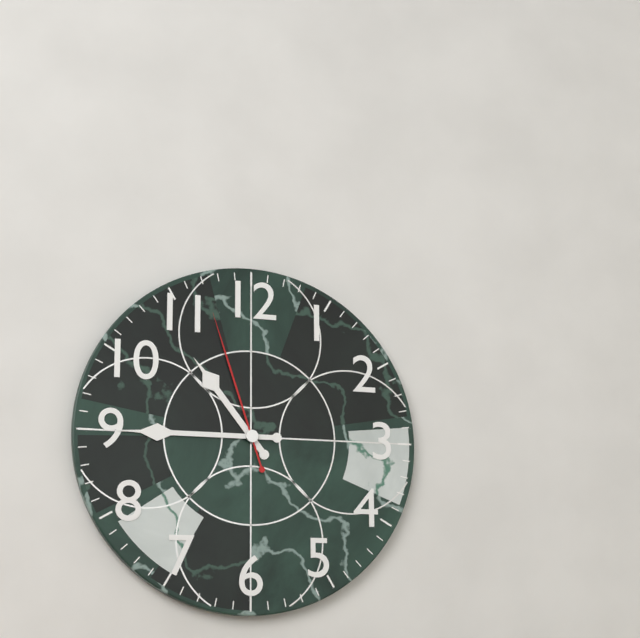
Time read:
h=10 m=45 s=57
